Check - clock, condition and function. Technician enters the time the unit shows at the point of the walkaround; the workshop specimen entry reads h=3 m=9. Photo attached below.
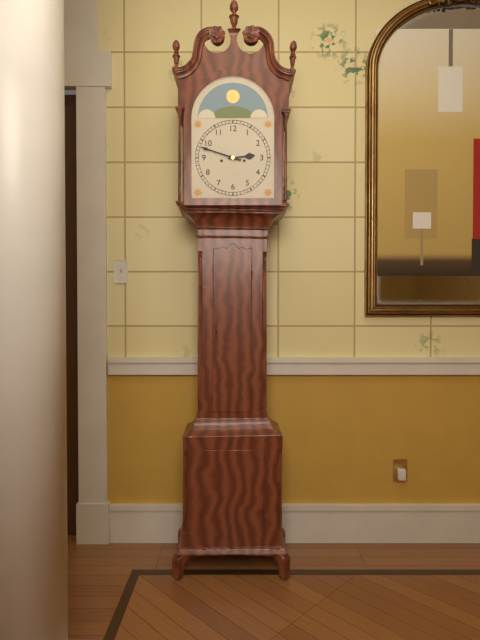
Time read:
h=2 m=48
